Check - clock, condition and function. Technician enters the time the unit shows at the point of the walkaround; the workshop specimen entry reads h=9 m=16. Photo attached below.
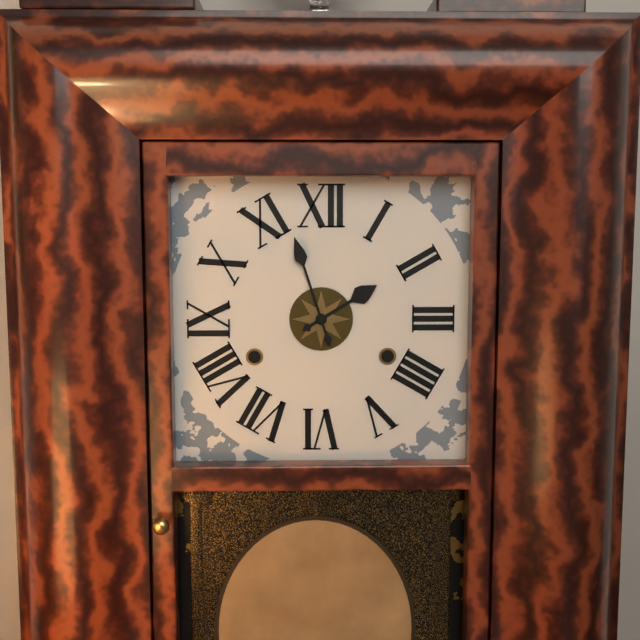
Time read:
h=1 m=57
